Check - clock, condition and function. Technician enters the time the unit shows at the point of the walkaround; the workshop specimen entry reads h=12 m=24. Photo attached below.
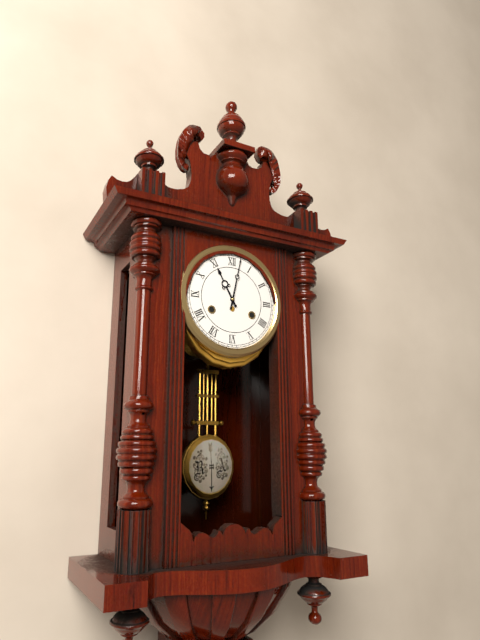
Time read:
h=11 m=2
